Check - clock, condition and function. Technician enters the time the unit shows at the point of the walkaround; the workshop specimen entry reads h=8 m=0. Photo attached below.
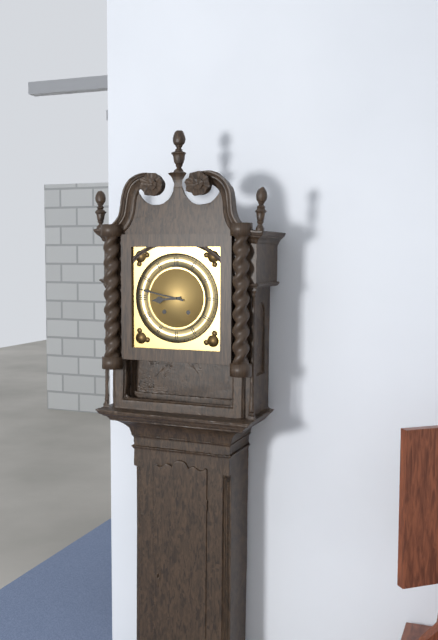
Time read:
h=8 m=47
